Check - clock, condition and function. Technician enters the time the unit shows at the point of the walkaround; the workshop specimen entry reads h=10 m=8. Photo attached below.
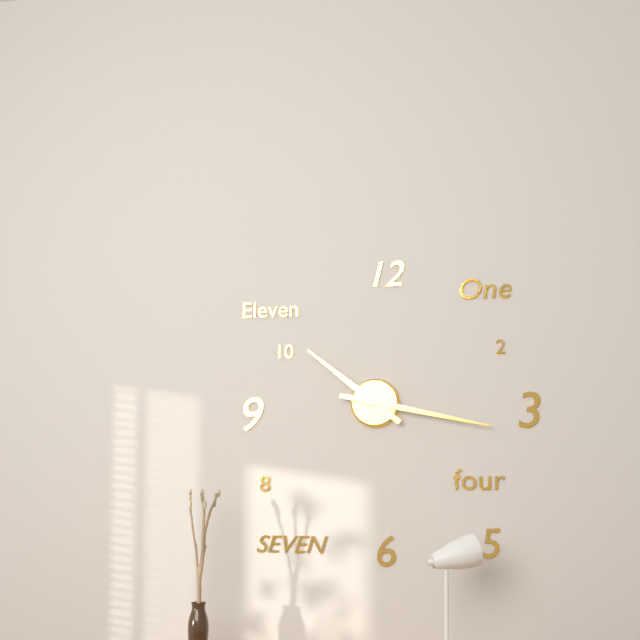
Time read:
h=10 m=17
